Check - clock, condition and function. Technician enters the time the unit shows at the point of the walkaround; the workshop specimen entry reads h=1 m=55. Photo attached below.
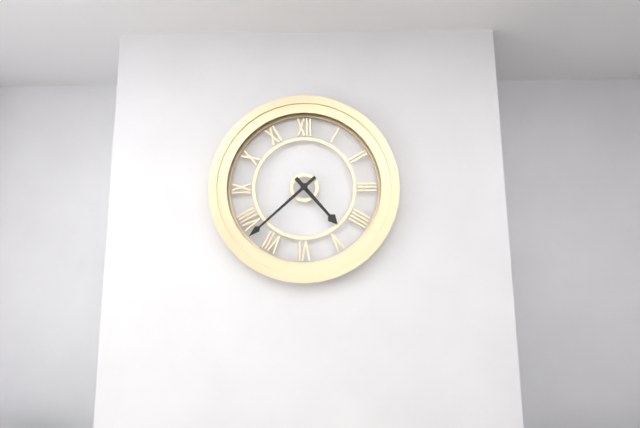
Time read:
h=4 m=38
